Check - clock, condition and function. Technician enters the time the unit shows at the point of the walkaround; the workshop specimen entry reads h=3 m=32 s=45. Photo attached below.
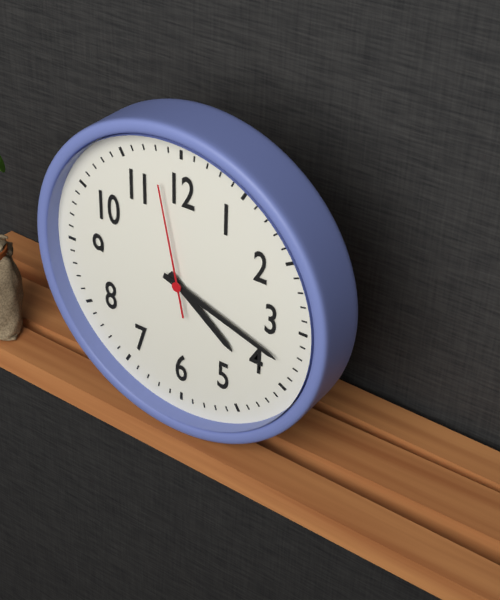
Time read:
h=4 m=18 s=58
